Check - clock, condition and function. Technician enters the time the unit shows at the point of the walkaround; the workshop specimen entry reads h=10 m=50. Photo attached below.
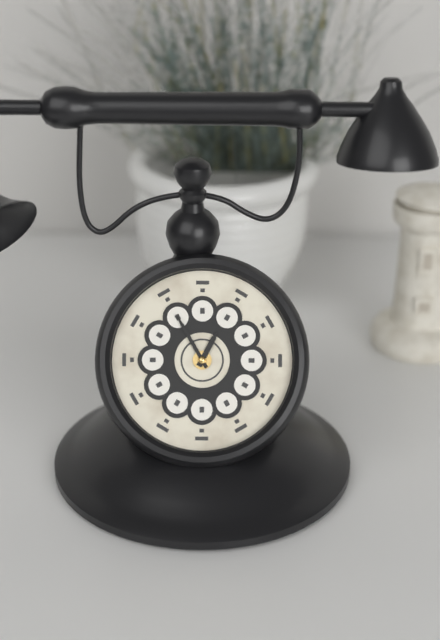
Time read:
h=12 m=55
